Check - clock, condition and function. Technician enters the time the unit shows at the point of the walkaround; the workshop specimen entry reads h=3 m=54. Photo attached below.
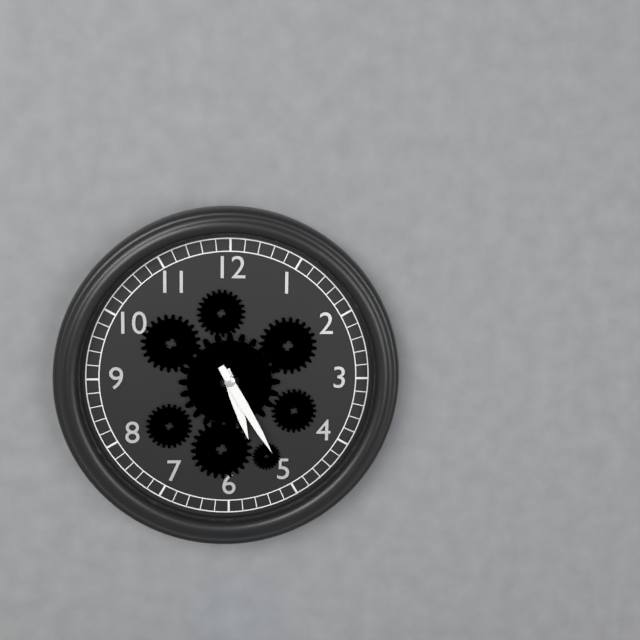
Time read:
h=5 m=25
